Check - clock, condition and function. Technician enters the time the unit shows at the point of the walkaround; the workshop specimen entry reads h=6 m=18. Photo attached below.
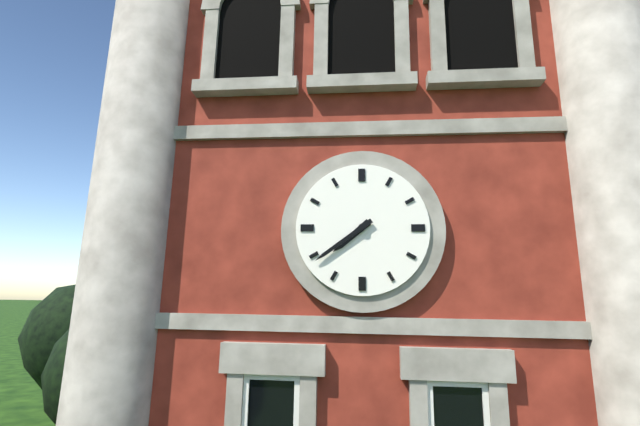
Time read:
h=7 m=39
